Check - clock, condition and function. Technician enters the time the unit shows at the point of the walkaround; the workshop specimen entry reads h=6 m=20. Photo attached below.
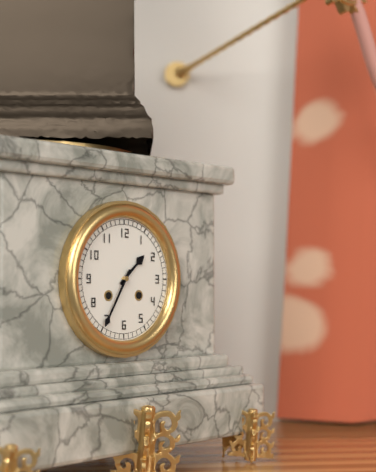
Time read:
h=1 m=35
